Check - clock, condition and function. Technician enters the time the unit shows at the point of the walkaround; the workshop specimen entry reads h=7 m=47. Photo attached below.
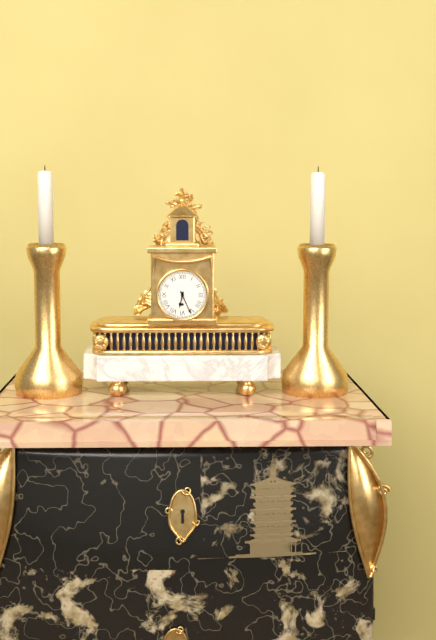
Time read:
h=6 m=26
